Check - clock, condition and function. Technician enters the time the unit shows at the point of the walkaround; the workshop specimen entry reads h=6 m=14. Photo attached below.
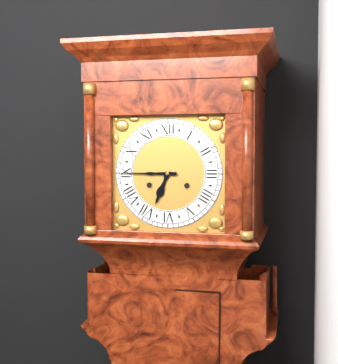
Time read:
h=6 m=45
